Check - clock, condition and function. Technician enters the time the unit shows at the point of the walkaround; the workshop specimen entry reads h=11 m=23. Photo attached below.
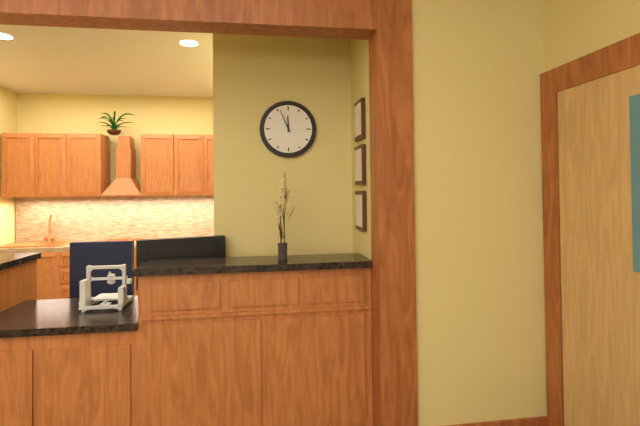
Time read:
h=11 m=56
